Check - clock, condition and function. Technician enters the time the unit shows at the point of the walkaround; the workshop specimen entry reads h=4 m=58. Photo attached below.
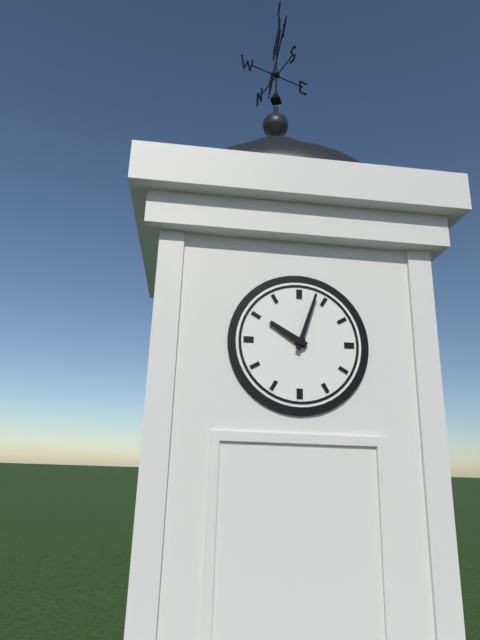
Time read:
h=10 m=3
